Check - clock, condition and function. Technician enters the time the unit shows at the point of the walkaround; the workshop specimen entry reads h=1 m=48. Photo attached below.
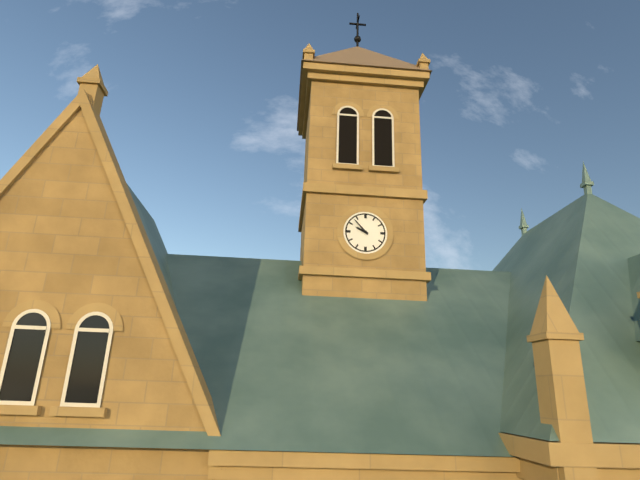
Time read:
h=9 m=53
